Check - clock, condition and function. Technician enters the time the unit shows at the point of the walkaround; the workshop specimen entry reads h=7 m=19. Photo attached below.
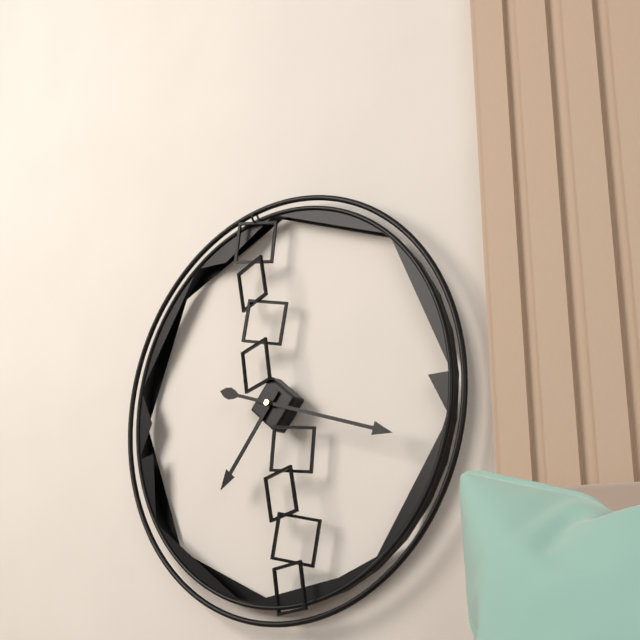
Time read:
h=7 m=18
